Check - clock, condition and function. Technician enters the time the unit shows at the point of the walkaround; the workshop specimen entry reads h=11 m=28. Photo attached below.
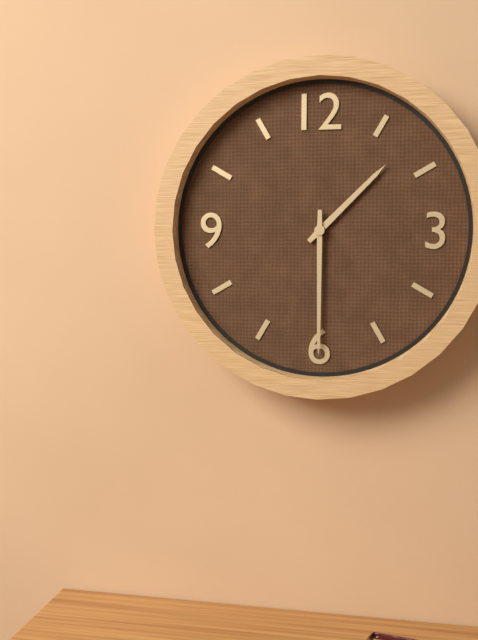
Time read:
h=1 m=30
